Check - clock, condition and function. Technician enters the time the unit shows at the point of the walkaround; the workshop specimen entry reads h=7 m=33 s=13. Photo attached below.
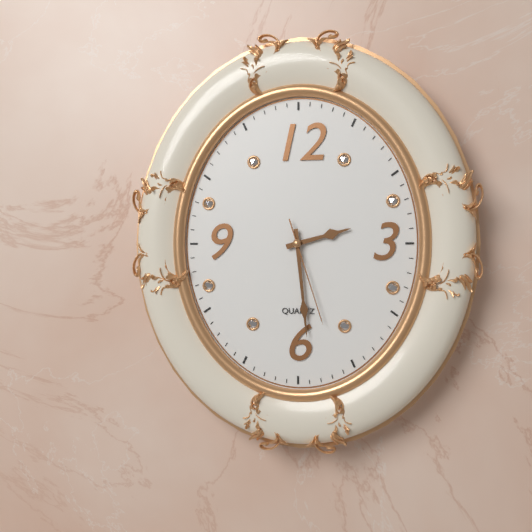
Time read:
h=2 m=29 s=27
